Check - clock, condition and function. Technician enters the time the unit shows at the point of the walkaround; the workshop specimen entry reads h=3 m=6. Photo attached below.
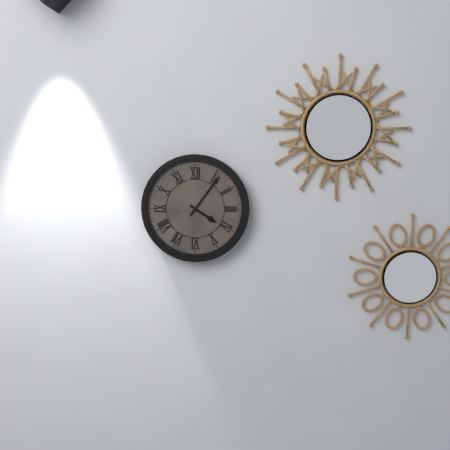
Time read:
h=4 m=6
